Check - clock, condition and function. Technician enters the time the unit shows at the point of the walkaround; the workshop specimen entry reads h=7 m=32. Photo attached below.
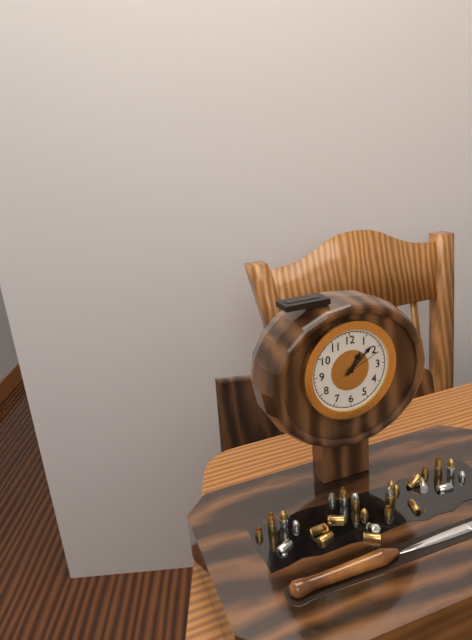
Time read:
h=1 m=8
